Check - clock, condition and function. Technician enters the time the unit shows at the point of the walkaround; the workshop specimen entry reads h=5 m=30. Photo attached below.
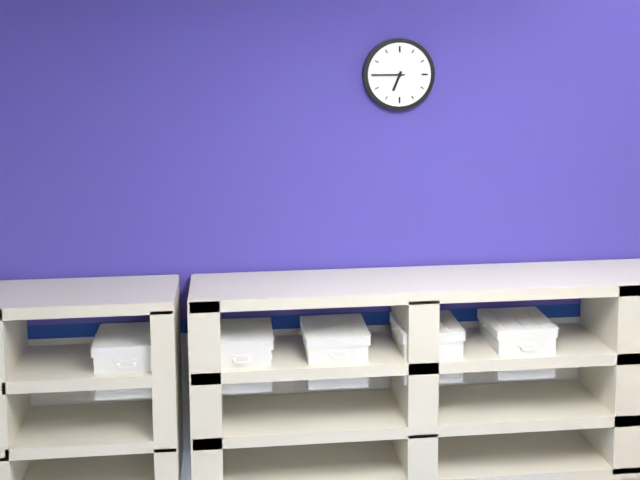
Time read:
h=6 m=45
